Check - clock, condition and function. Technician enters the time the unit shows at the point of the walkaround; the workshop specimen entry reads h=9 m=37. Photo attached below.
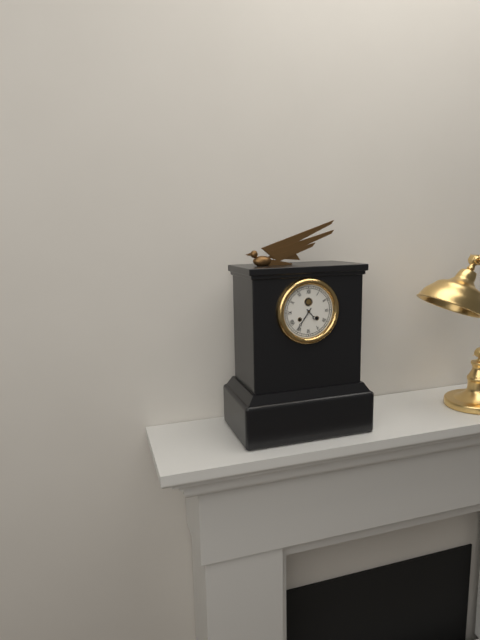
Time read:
h=4 m=36
